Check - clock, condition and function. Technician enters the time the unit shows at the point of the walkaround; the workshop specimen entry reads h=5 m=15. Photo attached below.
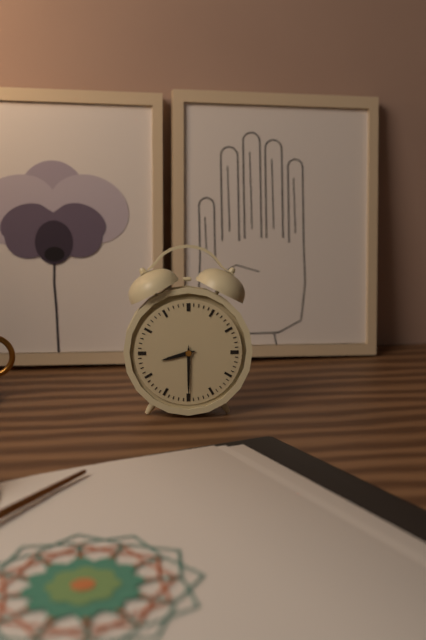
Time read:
h=8 m=30
